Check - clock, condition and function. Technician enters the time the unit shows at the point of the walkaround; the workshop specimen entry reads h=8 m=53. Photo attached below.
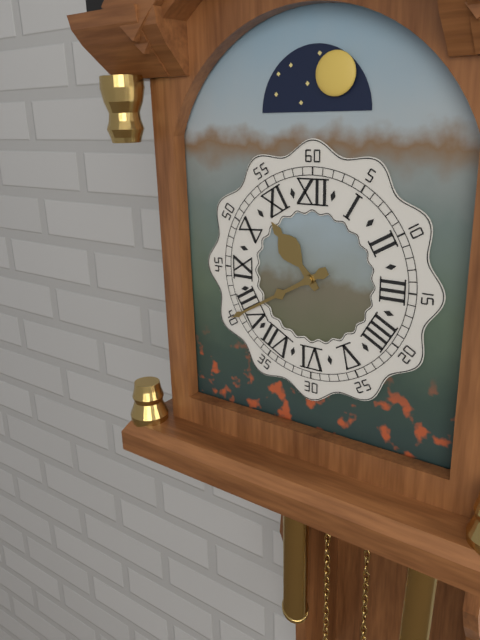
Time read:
h=10 m=40
